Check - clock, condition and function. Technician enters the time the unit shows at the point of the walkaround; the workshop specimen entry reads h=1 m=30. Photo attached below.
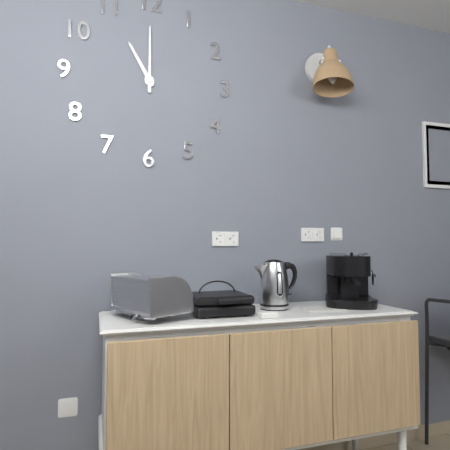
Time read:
h=11 m=0
